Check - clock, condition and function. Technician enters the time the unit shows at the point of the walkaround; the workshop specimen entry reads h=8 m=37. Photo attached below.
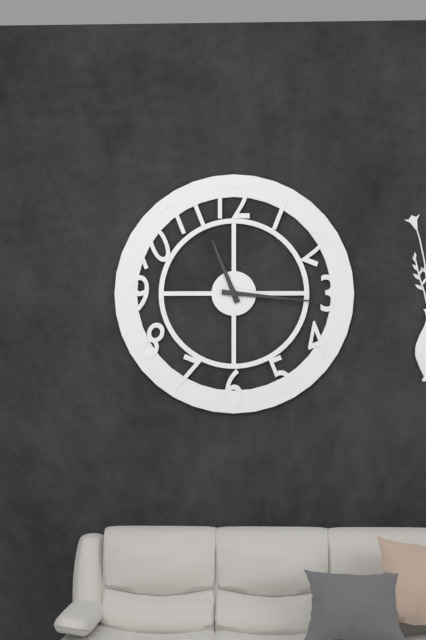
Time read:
h=11 m=16
